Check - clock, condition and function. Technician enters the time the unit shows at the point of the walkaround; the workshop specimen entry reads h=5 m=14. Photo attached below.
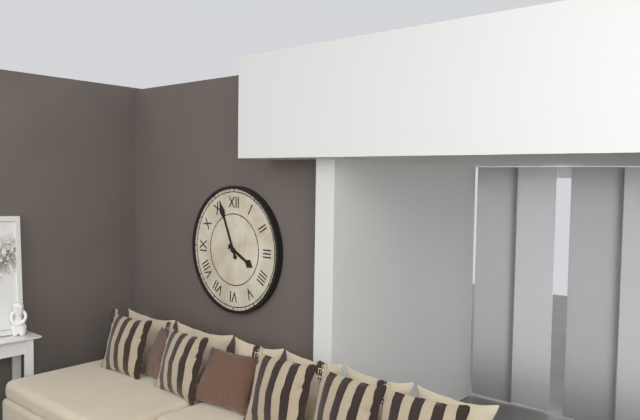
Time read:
h=3 m=56
